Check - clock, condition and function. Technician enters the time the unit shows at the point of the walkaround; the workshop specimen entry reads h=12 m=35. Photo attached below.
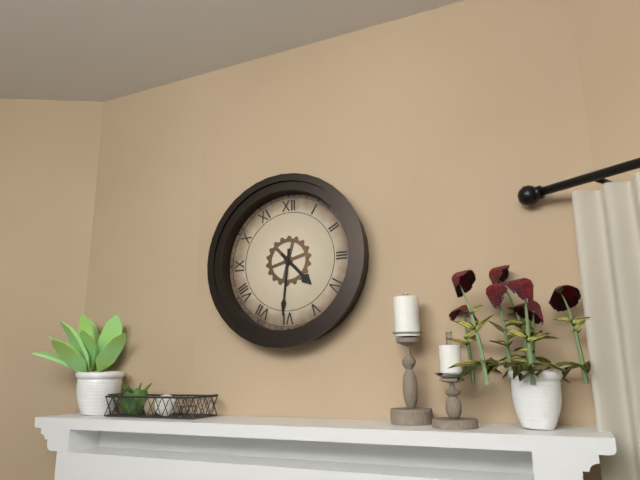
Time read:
h=4 m=31
